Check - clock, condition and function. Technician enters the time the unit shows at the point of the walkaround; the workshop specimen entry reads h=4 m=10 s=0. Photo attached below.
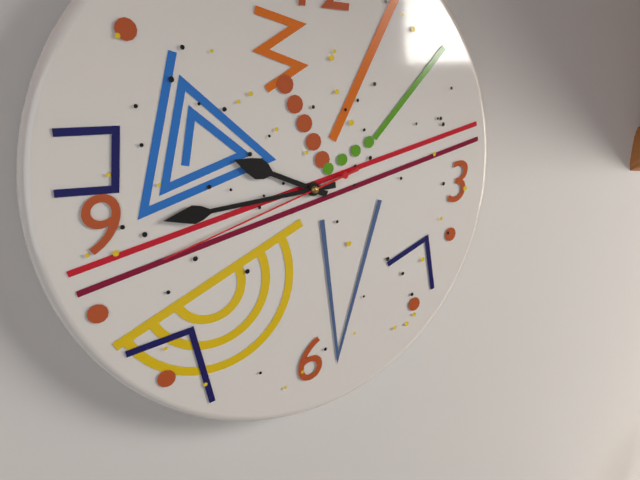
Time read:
h=9 m=44 s=42
